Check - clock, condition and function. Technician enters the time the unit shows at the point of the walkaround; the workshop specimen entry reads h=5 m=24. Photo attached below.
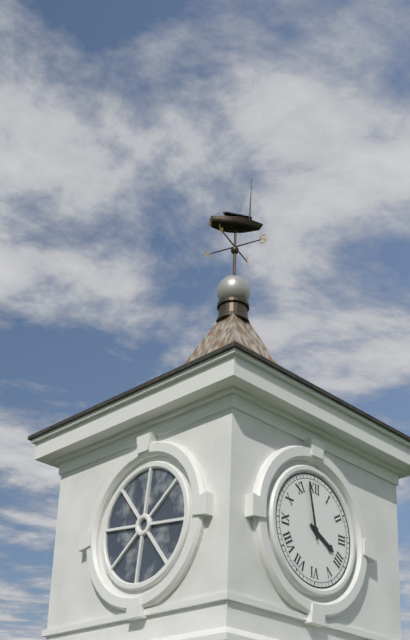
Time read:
h=3 m=58
